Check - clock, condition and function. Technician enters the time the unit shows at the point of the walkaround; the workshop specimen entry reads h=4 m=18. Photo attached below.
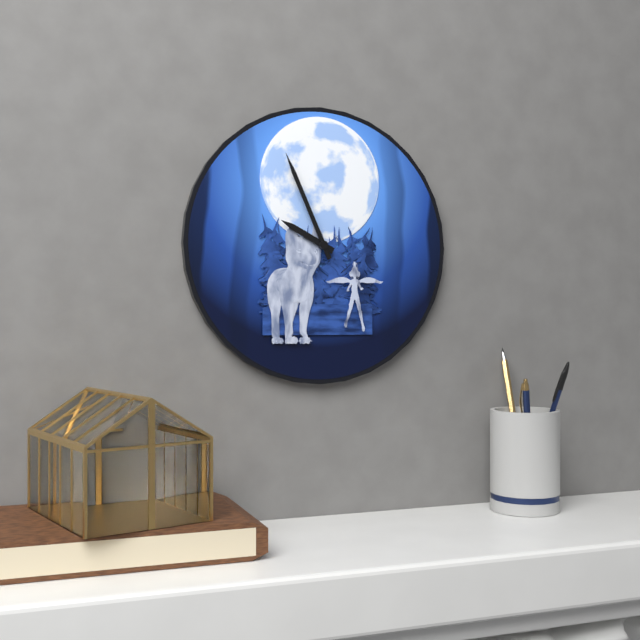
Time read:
h=9 m=56
